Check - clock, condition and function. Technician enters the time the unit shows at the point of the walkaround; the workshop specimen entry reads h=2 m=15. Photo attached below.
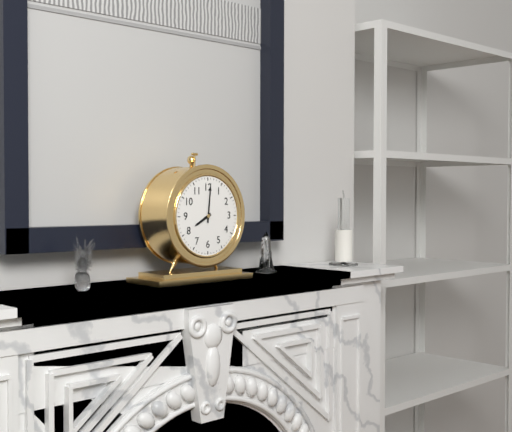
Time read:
h=8 m=1
